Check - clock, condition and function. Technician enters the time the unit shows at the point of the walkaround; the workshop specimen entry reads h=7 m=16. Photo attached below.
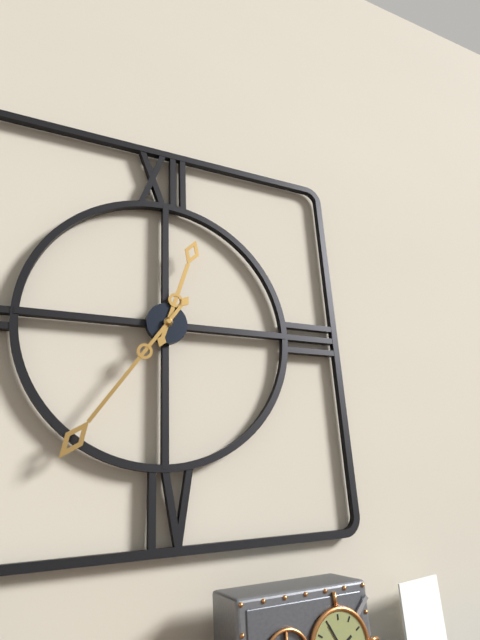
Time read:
h=12 m=36
